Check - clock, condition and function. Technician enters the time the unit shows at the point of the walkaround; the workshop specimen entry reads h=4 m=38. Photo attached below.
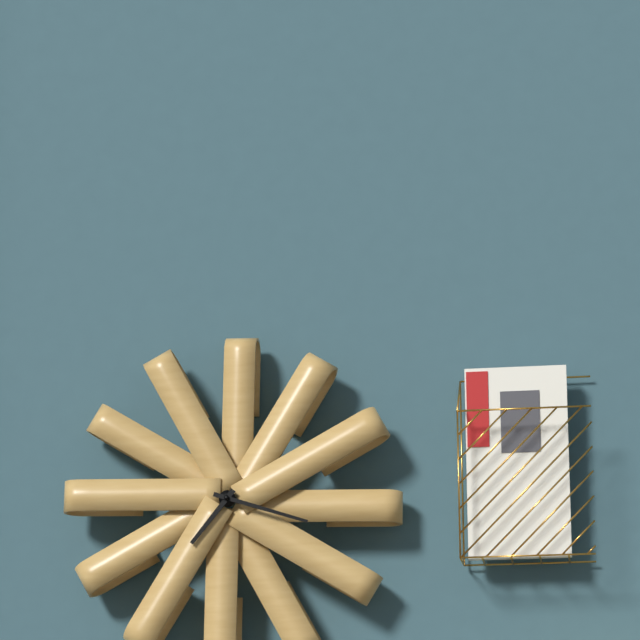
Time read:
h=7 m=18
